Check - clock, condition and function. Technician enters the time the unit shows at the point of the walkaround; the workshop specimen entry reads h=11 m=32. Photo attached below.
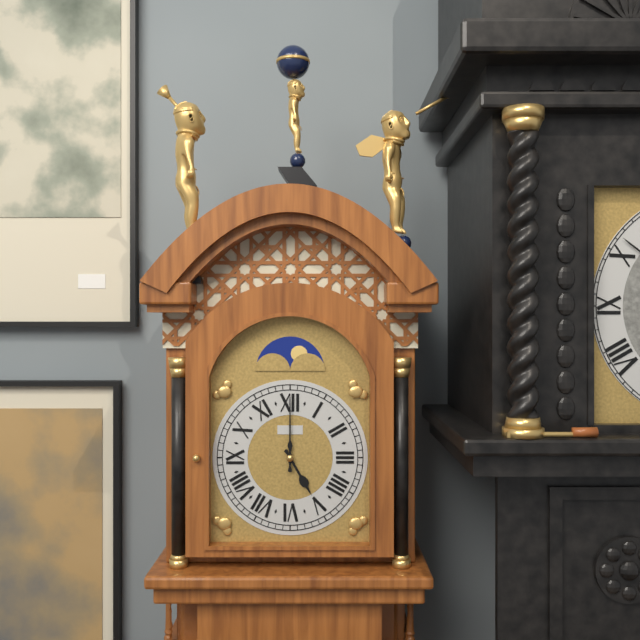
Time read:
h=5 m=0
